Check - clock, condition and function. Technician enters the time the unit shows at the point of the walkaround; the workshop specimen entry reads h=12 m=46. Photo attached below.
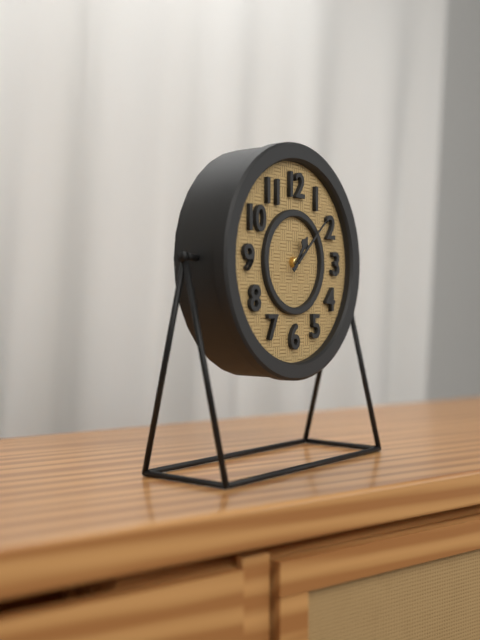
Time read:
h=1 m=8
